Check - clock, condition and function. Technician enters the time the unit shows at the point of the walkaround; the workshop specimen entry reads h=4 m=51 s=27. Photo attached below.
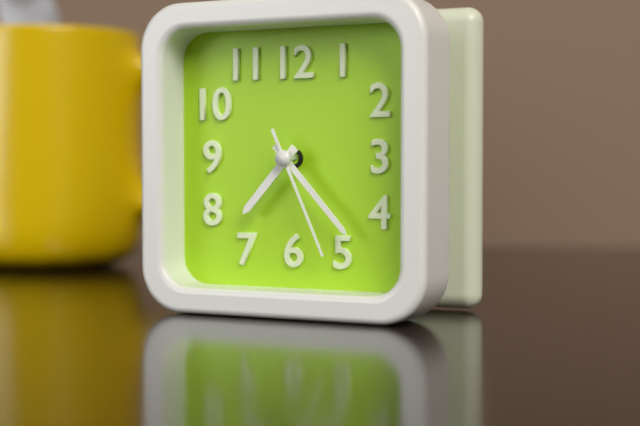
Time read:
h=7 m=23 s=26
